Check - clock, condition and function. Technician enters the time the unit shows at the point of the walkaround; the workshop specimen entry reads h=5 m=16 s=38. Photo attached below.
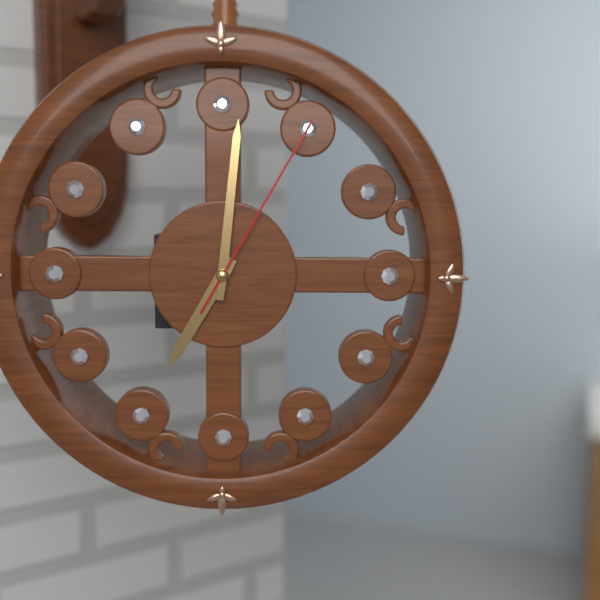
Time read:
h=7 m=1 s=5
